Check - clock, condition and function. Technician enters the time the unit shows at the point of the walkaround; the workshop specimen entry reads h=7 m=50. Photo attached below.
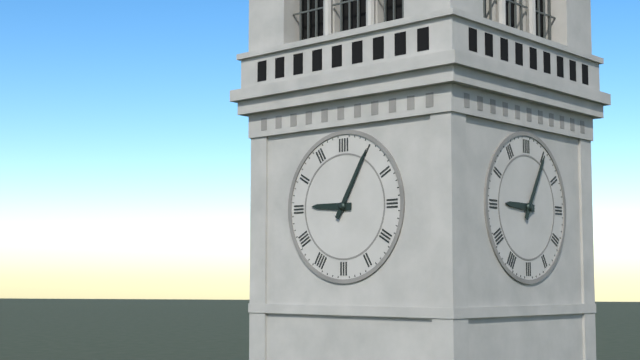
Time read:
h=9 m=5
